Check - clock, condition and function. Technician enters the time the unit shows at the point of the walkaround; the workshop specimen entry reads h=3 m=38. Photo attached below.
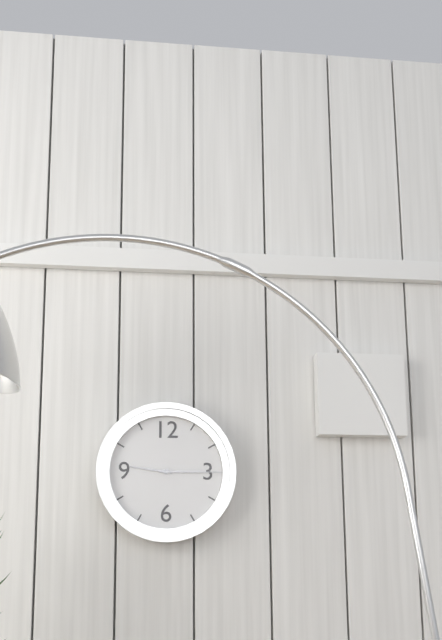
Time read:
h=9 m=15
